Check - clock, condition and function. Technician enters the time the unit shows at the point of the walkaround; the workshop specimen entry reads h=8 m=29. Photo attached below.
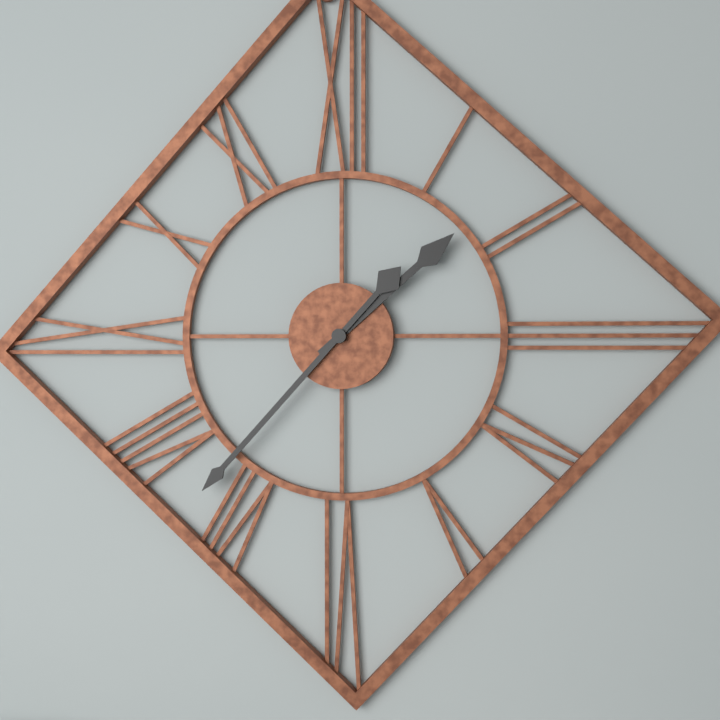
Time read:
h=1 m=37
